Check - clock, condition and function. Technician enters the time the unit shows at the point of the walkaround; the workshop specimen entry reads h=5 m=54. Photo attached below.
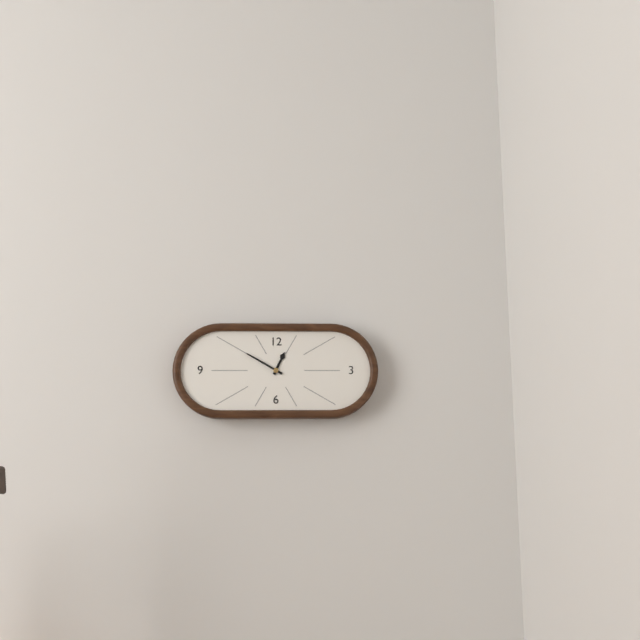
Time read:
h=12 m=50
